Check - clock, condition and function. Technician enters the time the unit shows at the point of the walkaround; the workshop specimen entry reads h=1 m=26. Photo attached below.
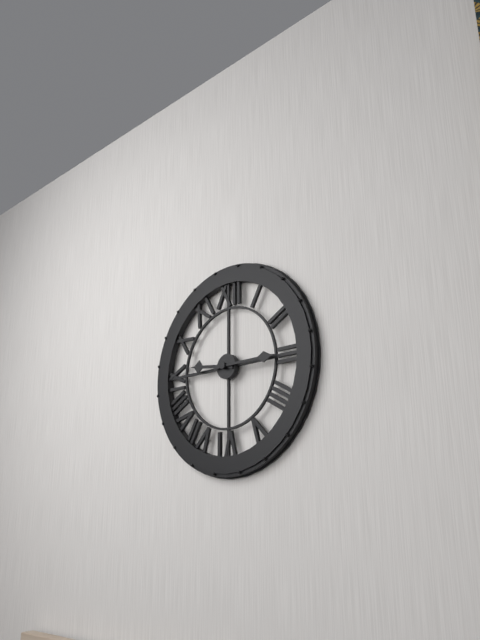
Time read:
h=9 m=15
